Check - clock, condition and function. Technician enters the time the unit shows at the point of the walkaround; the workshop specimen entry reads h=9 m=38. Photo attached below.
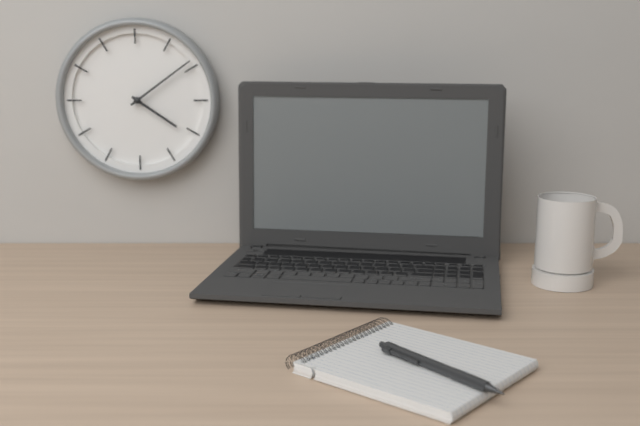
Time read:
h=4 m=9
